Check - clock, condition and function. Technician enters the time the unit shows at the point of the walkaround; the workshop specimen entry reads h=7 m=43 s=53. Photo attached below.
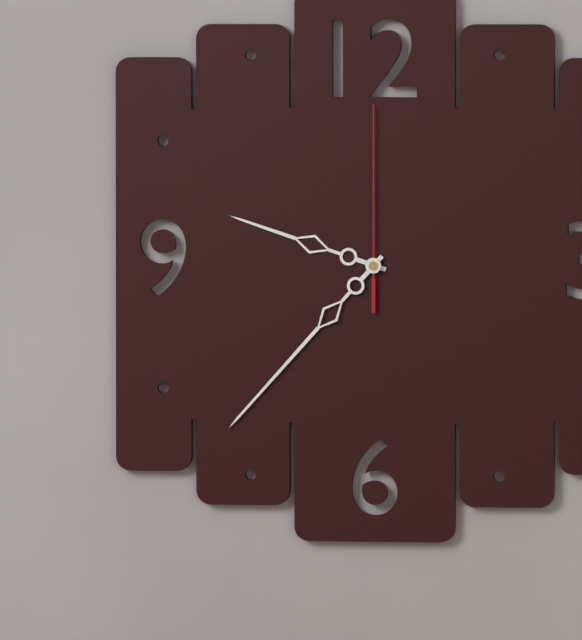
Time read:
h=9 m=37 s=0
